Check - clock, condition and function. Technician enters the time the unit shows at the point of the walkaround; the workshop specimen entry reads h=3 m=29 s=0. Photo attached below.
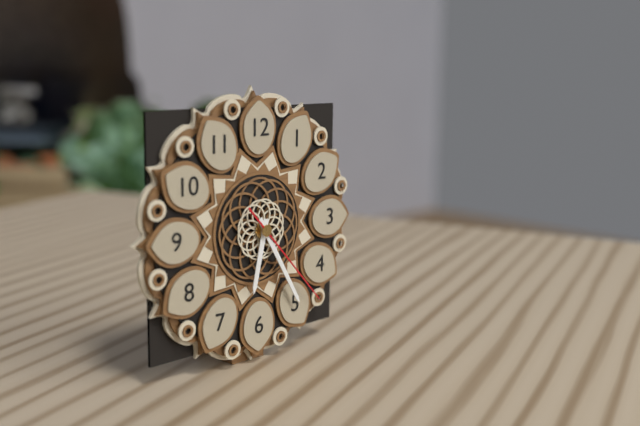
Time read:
h=6 m=25 s=23
